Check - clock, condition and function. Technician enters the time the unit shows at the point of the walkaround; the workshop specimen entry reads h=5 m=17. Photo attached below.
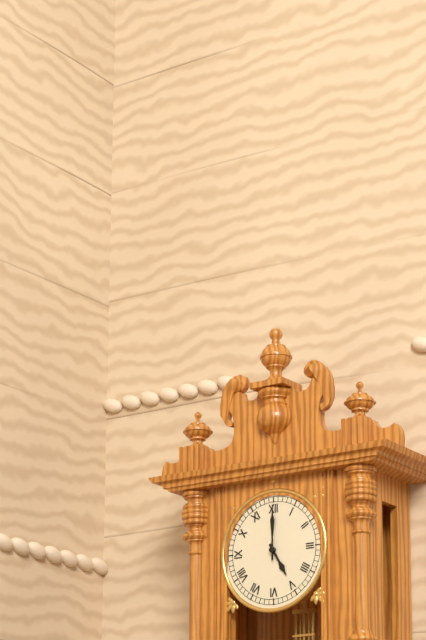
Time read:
h=5 m=0
